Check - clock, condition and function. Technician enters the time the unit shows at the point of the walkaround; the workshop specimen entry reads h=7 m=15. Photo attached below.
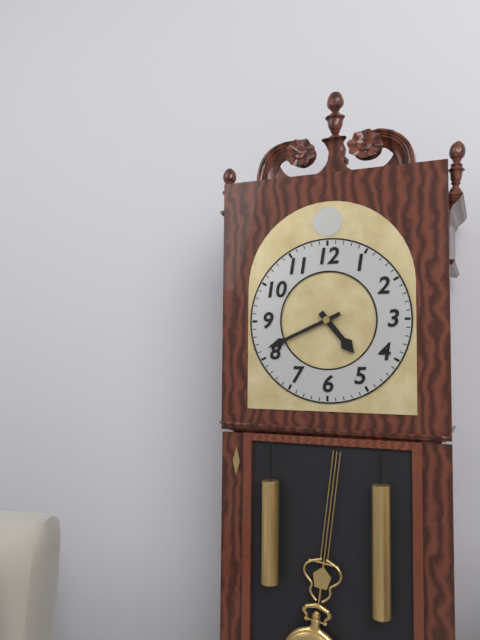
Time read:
h=4 m=41
